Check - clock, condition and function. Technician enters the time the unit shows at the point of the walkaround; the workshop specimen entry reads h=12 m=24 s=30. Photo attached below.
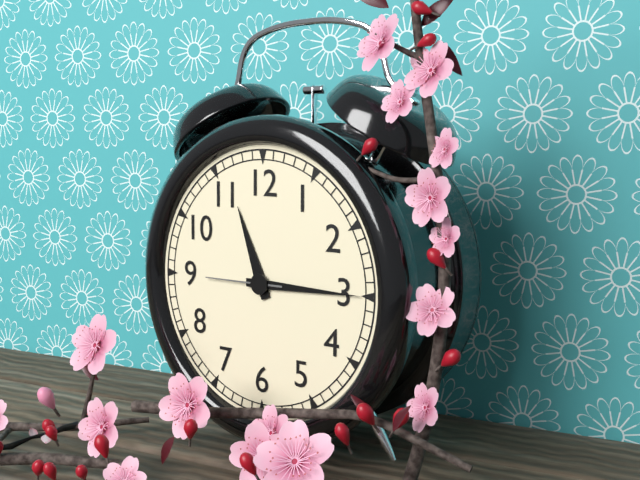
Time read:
h=11 m=15 s=45
